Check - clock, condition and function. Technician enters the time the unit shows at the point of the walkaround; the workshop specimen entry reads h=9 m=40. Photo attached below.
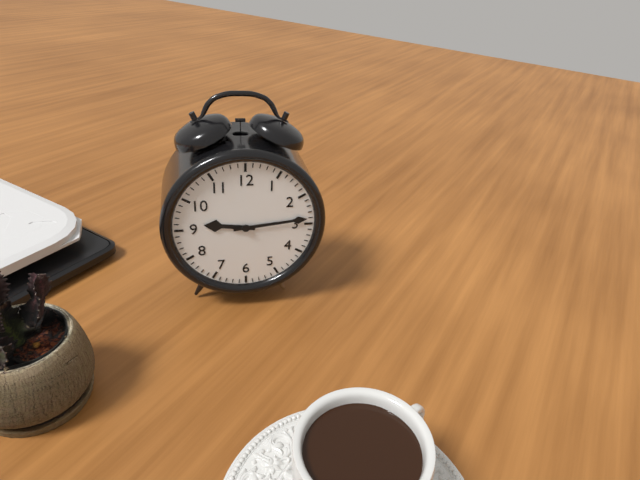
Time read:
h=9 m=14
